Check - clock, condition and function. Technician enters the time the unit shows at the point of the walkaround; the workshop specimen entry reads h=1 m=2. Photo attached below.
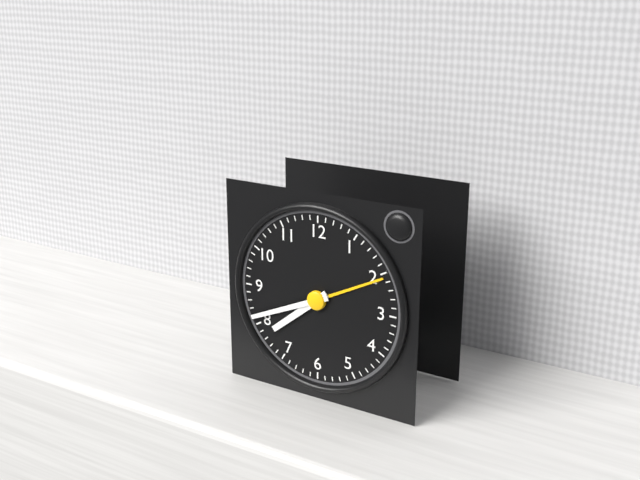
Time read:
h=7 m=41
